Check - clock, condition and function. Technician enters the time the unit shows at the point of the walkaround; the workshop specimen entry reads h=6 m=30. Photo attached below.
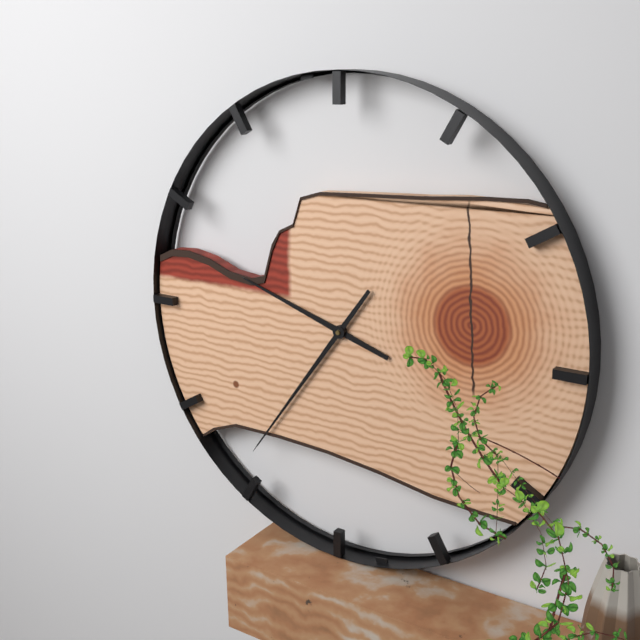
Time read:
h=9 m=36
